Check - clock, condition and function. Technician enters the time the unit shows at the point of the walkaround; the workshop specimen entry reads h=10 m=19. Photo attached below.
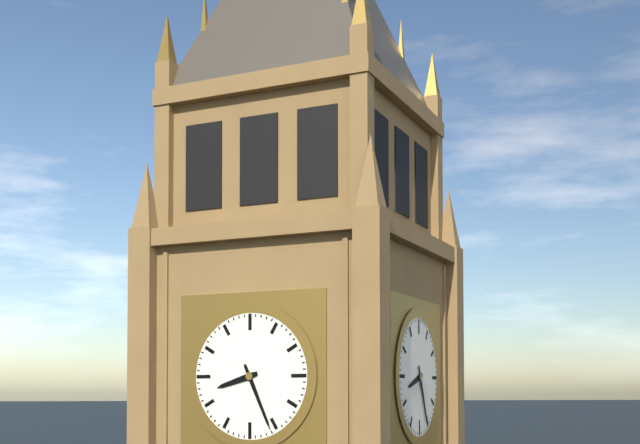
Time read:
h=8 m=26
